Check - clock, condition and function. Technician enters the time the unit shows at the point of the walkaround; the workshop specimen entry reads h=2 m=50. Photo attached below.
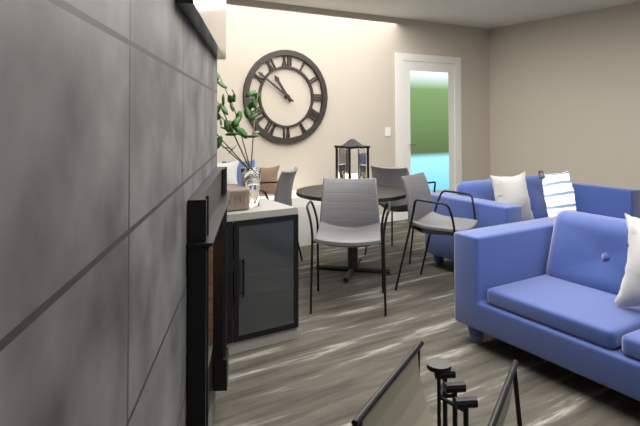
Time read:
h=10 m=51
